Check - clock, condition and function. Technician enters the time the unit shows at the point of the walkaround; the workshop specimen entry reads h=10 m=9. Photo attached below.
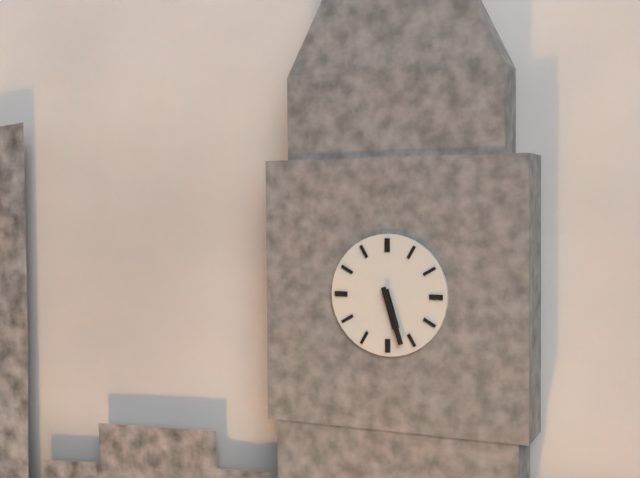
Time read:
h=5 m=27
